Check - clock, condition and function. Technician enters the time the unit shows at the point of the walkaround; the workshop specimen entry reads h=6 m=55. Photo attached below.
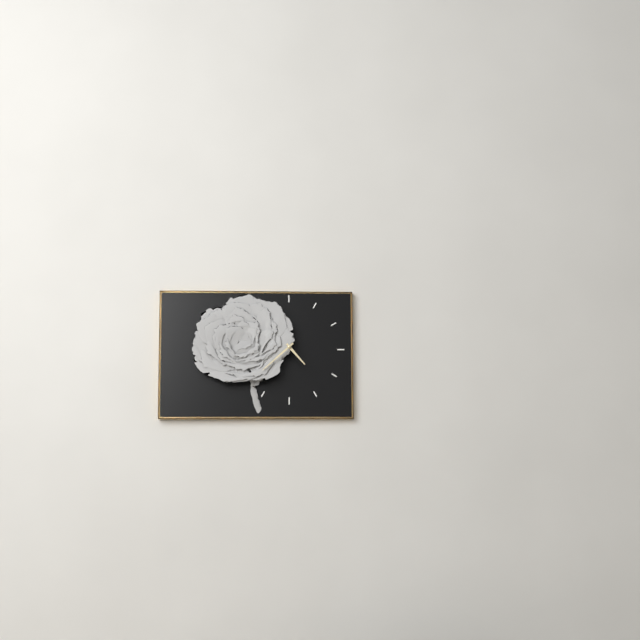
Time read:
h=4 m=38
